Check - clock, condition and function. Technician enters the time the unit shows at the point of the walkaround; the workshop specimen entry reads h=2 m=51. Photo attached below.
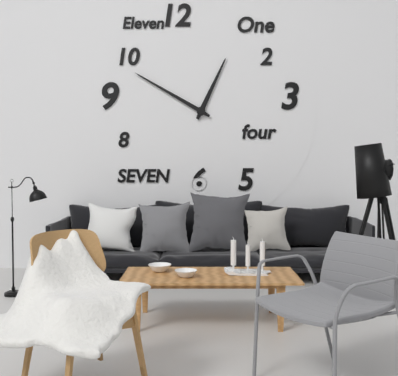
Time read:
h=12 m=50
